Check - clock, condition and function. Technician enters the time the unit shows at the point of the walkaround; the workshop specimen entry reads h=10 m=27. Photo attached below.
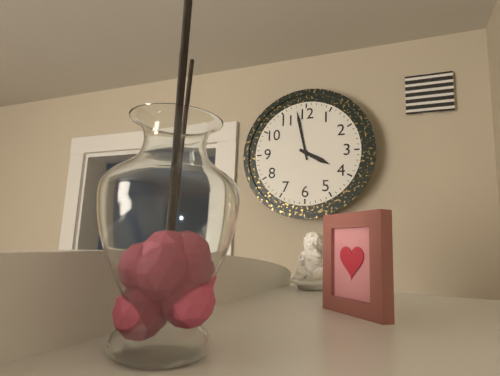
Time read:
h=3 m=58
